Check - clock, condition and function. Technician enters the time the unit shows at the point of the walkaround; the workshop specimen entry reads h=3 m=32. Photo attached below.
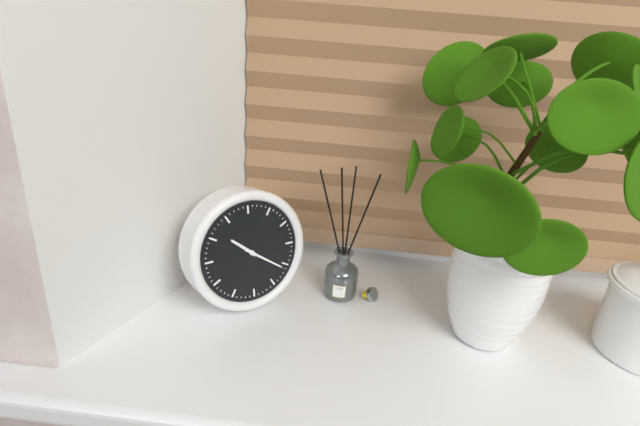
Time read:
h=10 m=21
